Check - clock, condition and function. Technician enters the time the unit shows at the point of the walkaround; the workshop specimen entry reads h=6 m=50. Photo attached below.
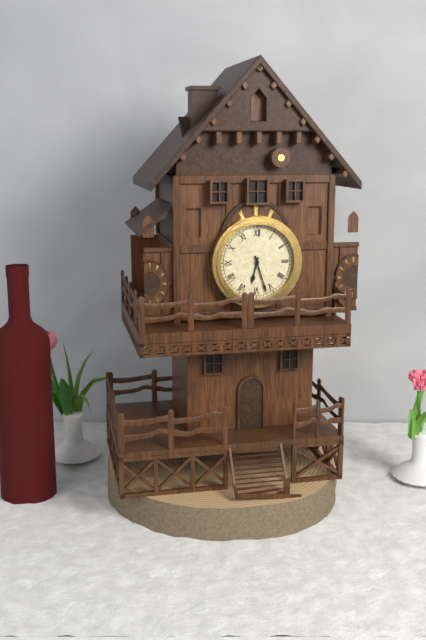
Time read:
h=6 m=27
